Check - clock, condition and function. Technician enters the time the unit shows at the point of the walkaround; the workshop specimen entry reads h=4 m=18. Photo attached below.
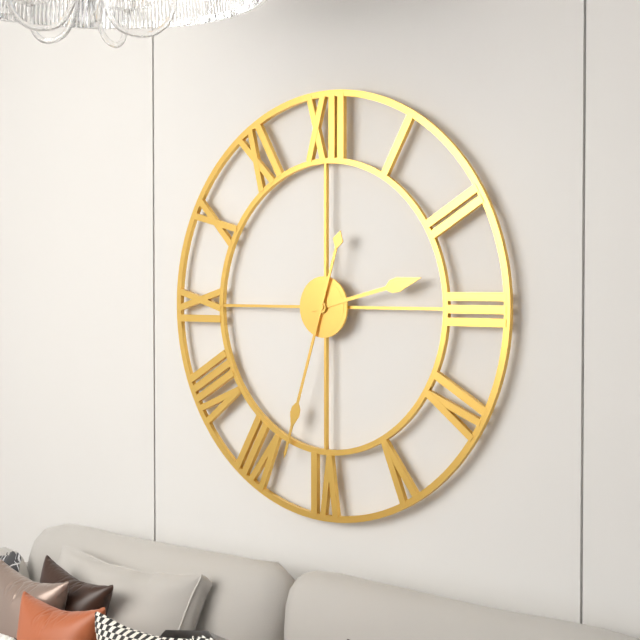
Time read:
h=2 m=33
